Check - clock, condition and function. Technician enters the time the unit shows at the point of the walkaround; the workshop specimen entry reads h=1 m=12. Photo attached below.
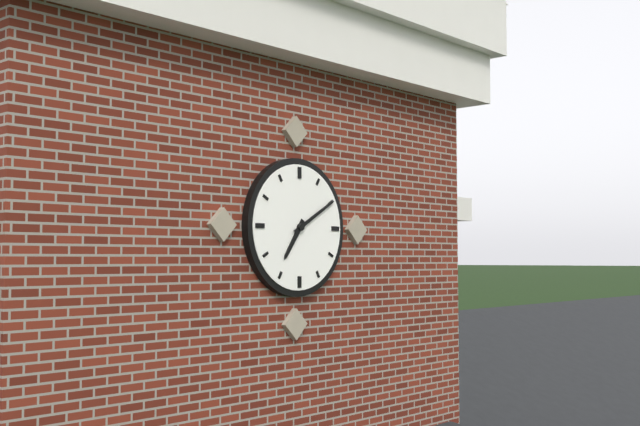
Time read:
h=7 m=10
